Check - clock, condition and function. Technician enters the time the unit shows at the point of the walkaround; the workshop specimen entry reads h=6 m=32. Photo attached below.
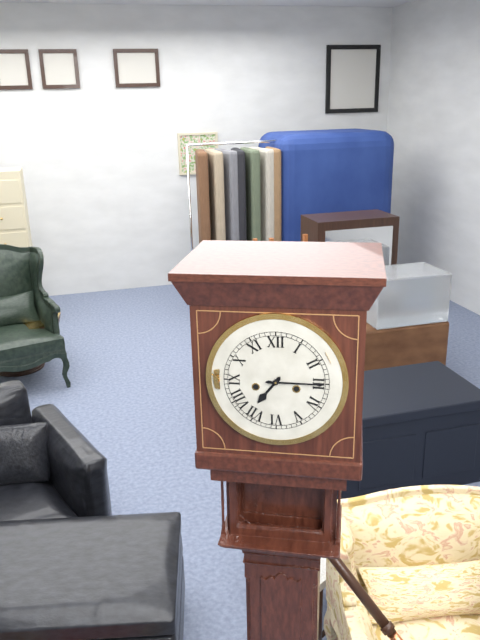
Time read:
h=7 m=15
